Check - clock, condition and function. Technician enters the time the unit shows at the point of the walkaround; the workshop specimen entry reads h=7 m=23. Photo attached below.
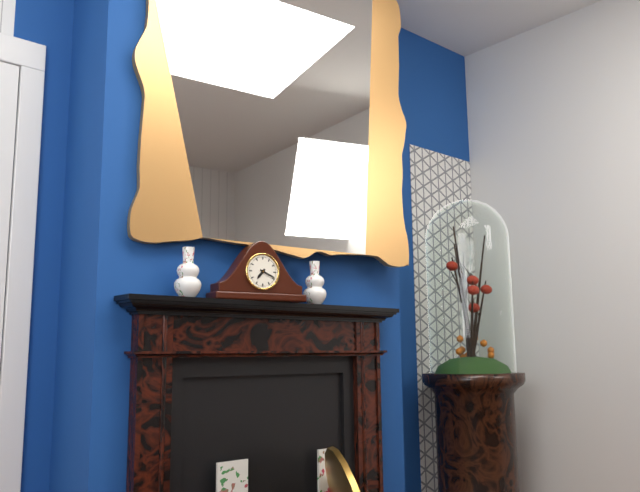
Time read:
h=7 m=19
